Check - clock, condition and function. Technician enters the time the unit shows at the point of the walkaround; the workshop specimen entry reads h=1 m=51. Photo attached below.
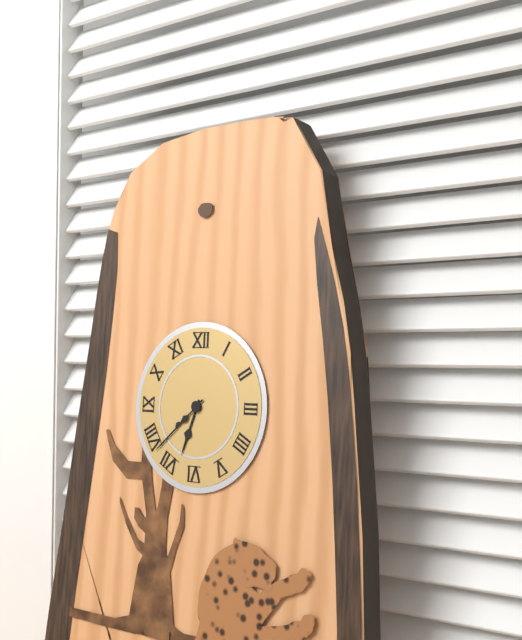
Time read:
h=6 m=38
